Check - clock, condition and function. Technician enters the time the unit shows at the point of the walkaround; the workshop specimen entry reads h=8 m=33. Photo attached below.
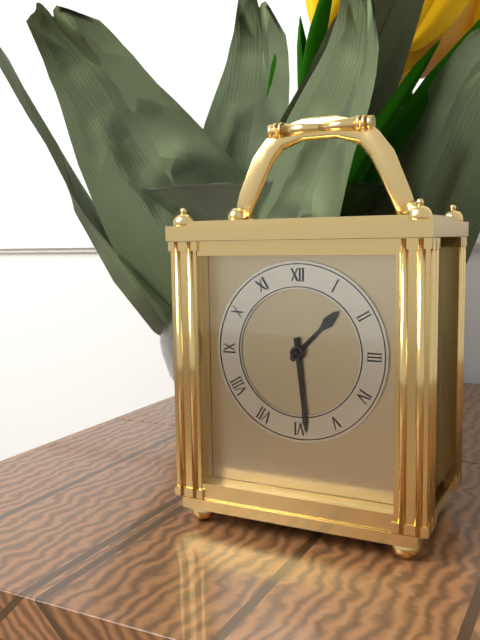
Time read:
h=1 m=29
